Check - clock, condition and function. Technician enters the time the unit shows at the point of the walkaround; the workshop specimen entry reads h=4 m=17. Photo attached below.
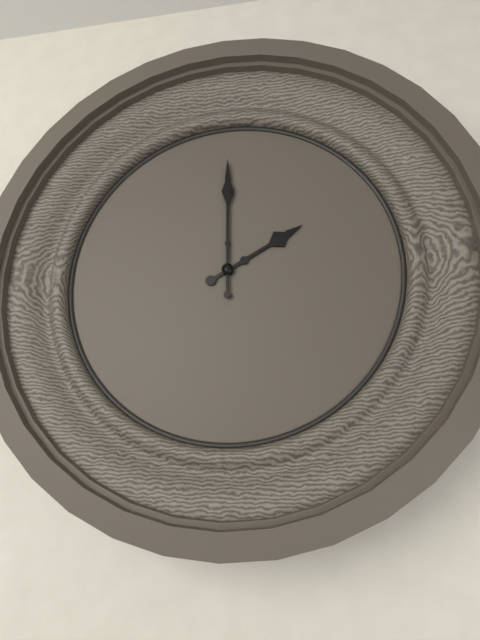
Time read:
h=2 m=0
